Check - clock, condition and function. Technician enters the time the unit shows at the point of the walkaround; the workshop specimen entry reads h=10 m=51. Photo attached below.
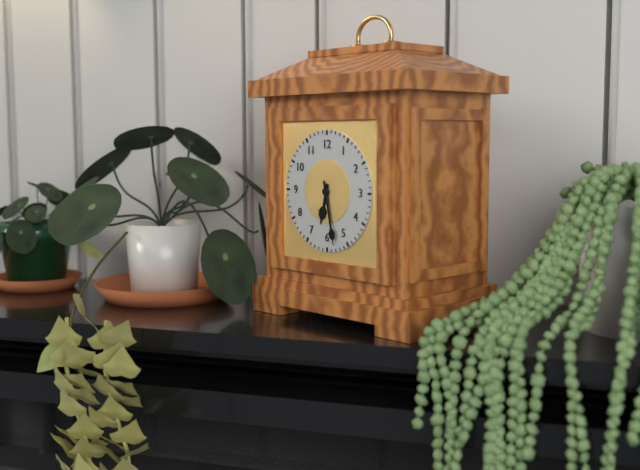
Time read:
h=6 m=28
